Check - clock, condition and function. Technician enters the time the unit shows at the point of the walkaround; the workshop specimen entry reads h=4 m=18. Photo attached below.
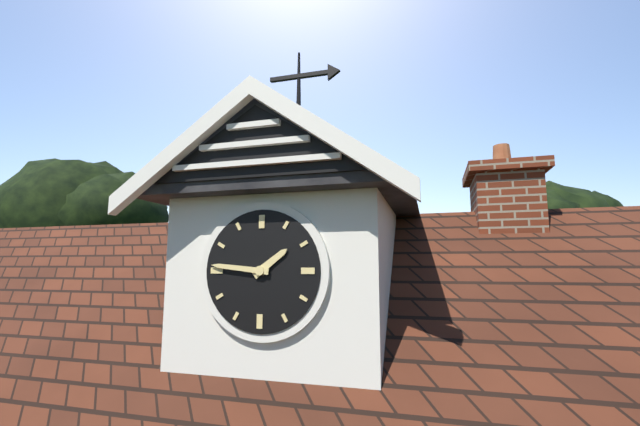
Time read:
h=1 m=46
